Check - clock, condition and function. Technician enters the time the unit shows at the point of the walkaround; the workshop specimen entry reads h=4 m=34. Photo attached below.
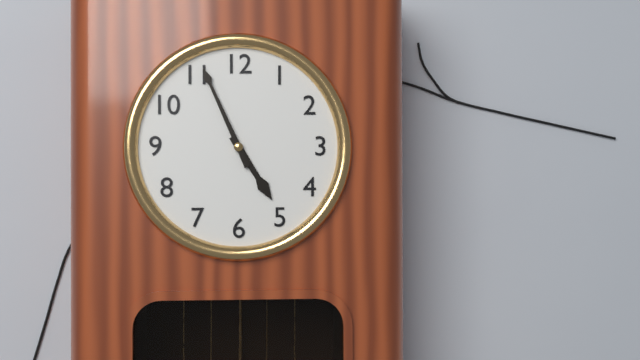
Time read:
h=4 m=56
